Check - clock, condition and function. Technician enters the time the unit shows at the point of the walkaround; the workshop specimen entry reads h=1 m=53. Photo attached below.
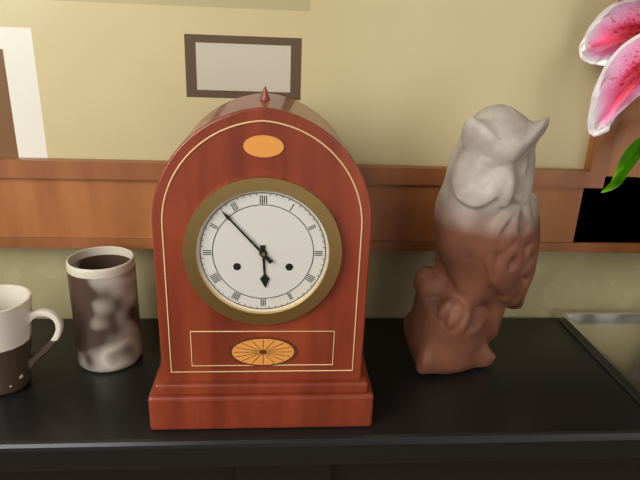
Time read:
h=5 m=53
